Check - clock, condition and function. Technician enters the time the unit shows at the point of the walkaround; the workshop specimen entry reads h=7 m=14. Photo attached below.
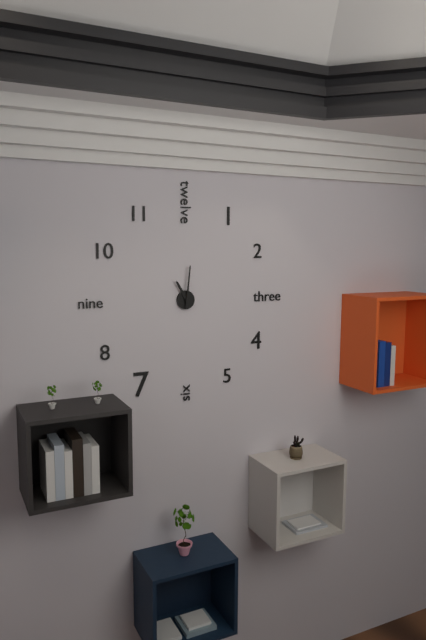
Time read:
h=11 m=1
